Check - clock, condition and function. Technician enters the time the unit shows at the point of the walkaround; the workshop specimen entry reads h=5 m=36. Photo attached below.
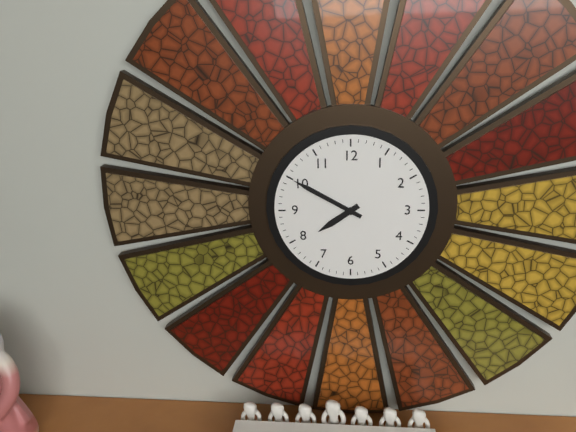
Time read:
h=7 m=50
